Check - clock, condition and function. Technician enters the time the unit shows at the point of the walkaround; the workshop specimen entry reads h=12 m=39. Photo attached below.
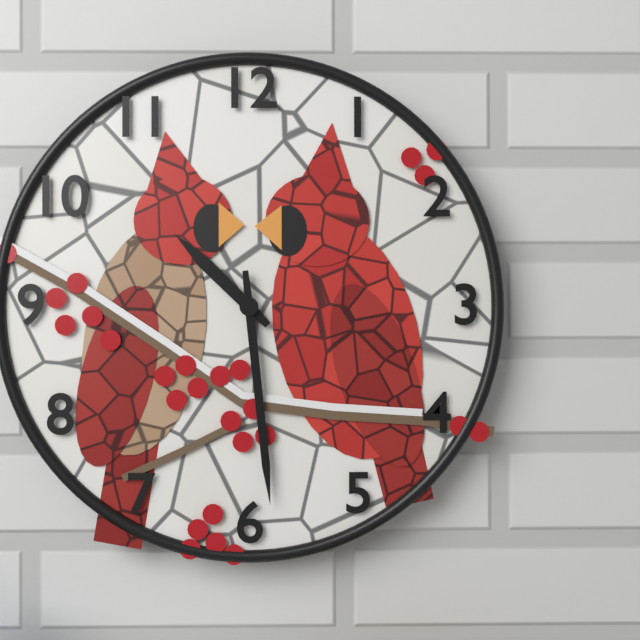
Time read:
h=10 m=29
